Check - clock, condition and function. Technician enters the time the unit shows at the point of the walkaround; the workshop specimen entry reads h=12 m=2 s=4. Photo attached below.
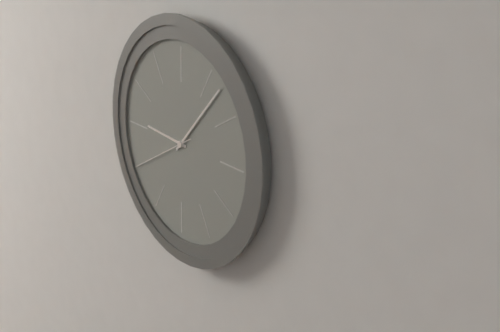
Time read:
h=9 m=7 s=40
